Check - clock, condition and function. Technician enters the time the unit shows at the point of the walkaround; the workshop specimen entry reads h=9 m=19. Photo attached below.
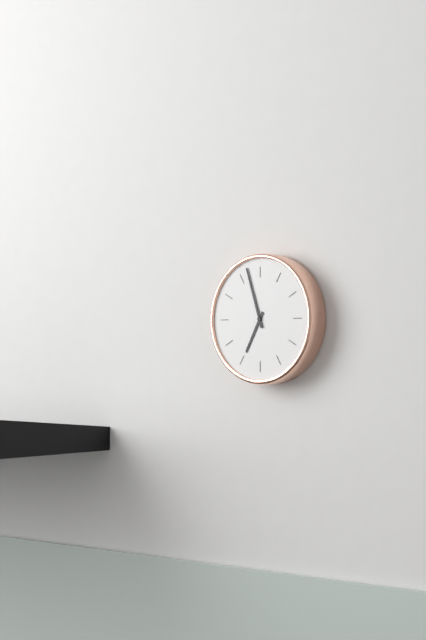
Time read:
h=6 m=57
